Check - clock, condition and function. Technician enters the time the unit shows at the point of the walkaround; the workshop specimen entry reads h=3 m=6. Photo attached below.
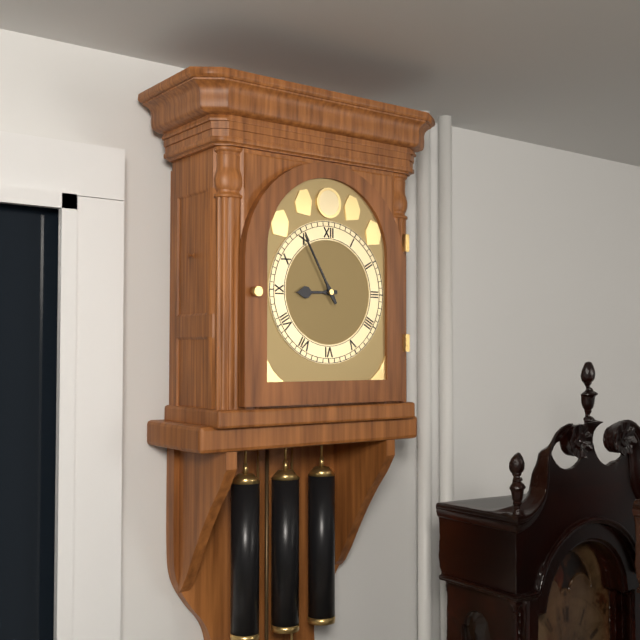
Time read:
h=8 m=55
